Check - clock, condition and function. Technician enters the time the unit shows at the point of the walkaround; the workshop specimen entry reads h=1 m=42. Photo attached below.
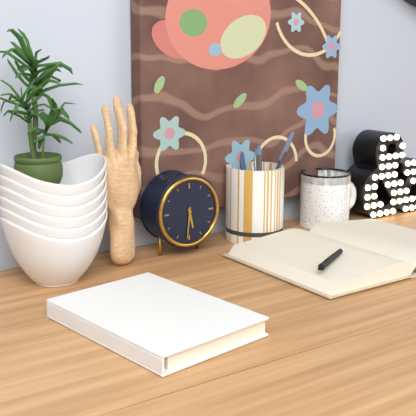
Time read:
h=5 m=31
